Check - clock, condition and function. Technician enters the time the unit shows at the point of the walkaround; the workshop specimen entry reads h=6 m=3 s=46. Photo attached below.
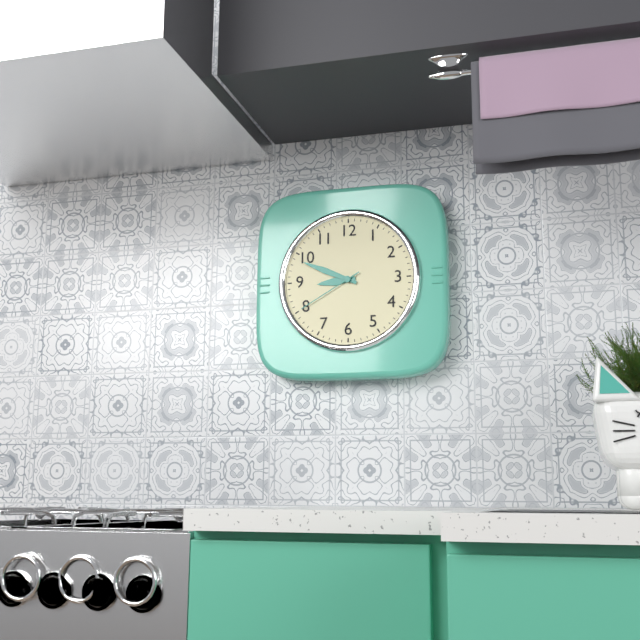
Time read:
h=8 m=49 s=40
